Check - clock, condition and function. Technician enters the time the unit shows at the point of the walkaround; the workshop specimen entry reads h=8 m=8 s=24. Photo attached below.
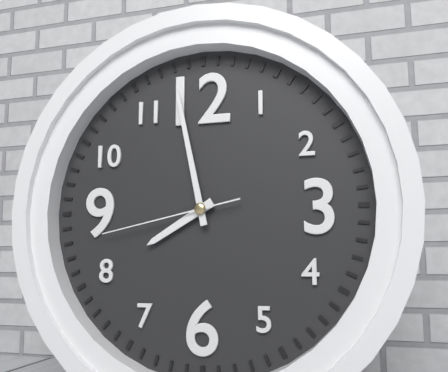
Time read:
h=7 m=58 s=43
